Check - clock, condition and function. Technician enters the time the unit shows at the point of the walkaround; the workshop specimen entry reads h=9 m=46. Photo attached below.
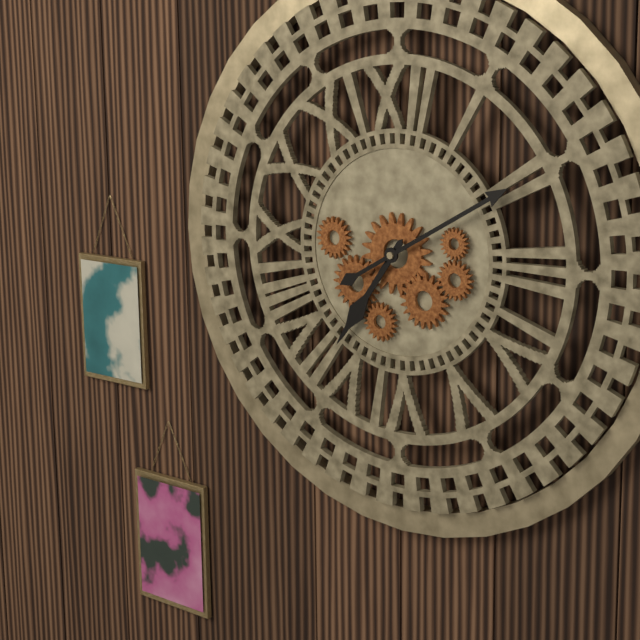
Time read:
h=7 m=10
